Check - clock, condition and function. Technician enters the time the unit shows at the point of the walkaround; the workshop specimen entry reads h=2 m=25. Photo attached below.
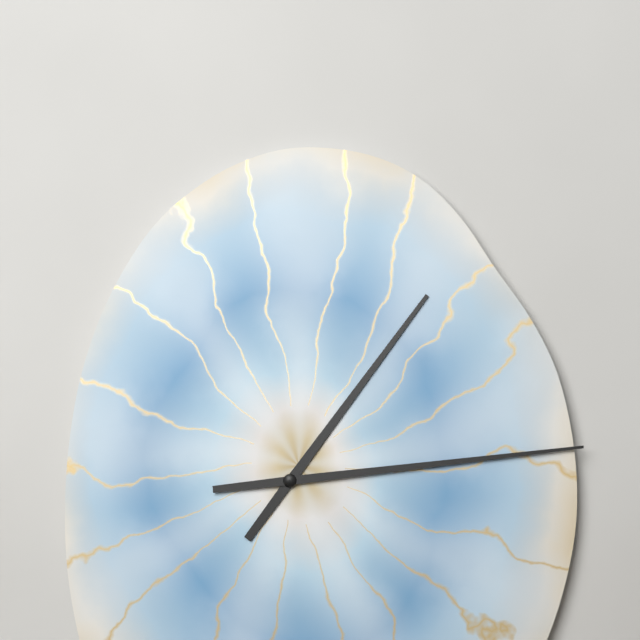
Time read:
h=1 m=14
